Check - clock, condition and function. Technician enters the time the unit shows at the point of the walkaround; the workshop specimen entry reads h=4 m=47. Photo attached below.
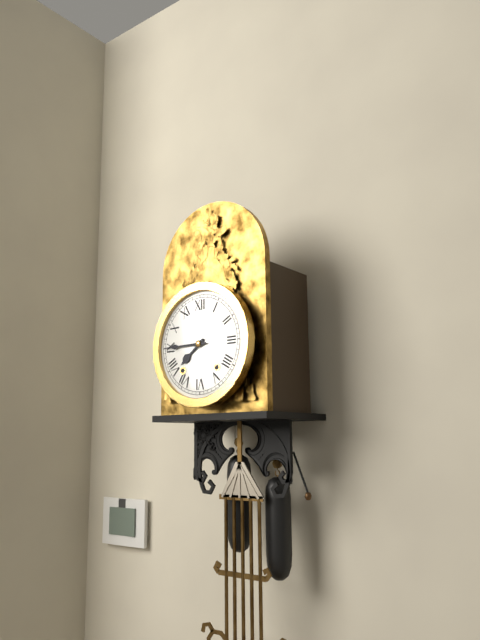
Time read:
h=7 m=45
